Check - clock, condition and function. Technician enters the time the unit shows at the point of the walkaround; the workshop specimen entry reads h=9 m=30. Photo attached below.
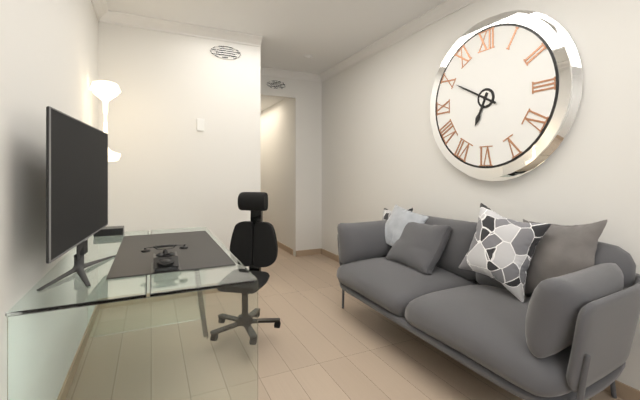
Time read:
h=6 m=50
